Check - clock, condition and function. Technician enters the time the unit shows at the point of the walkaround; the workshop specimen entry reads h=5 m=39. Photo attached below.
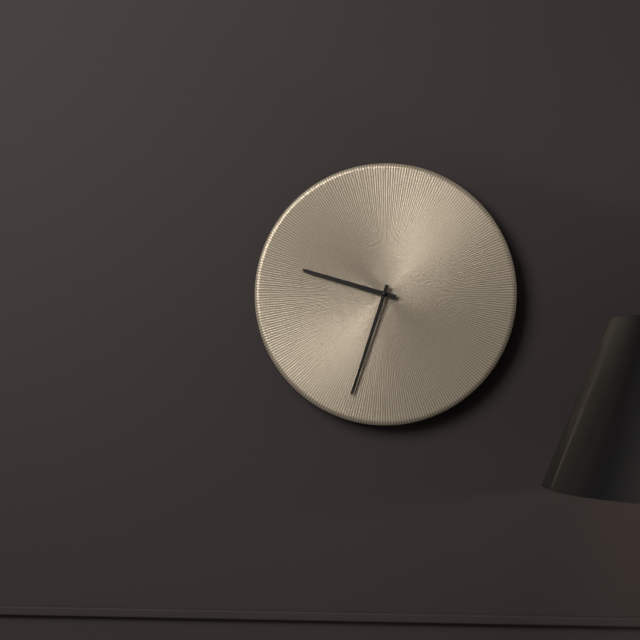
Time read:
h=9 m=33
